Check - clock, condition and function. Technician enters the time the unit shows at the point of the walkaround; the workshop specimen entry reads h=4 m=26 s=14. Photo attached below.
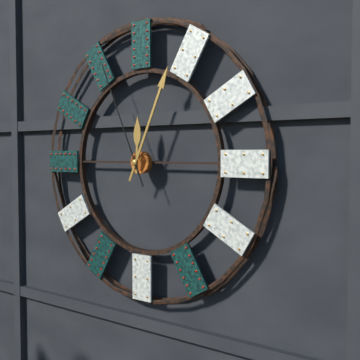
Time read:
h=12 m=4 s=56
